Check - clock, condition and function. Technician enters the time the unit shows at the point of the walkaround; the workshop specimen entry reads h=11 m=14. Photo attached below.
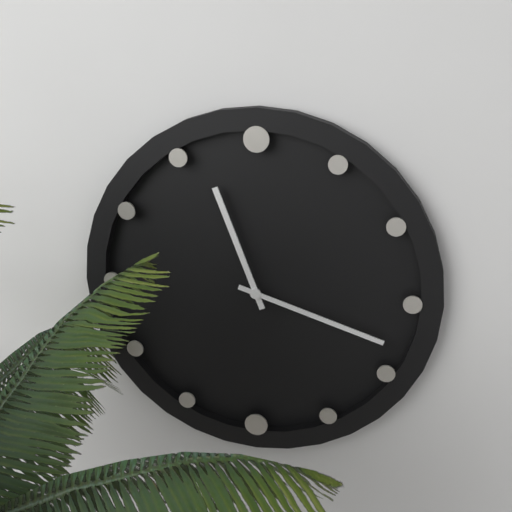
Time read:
h=11 m=18
